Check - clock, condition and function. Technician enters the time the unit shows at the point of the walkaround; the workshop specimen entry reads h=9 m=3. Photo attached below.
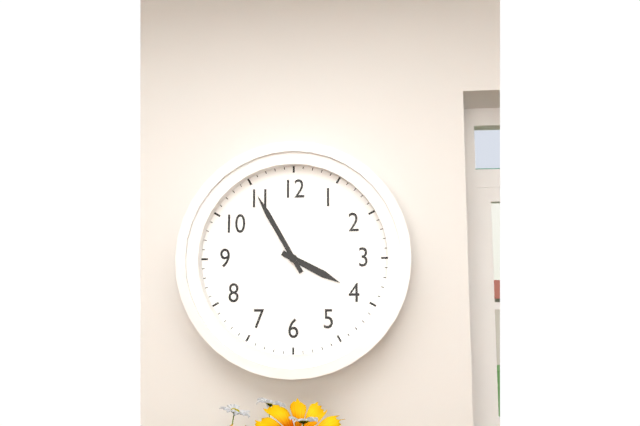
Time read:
h=3 m=55
